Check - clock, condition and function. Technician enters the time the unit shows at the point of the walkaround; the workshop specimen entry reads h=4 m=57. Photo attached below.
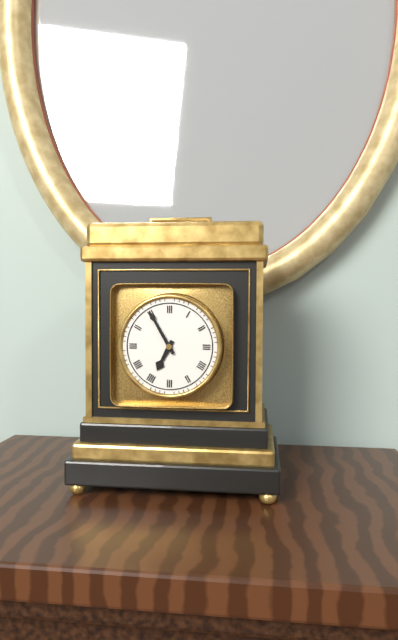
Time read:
h=6 m=55
